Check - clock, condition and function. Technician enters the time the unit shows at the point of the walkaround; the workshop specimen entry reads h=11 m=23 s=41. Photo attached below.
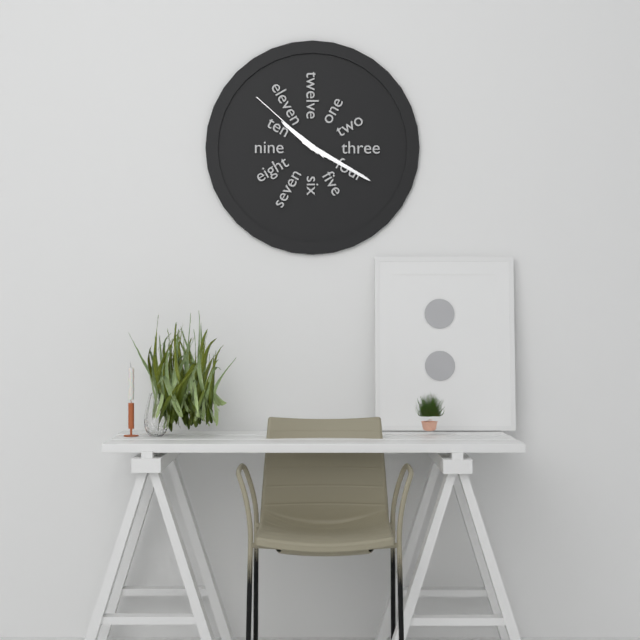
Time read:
h=10 m=20 s=52
